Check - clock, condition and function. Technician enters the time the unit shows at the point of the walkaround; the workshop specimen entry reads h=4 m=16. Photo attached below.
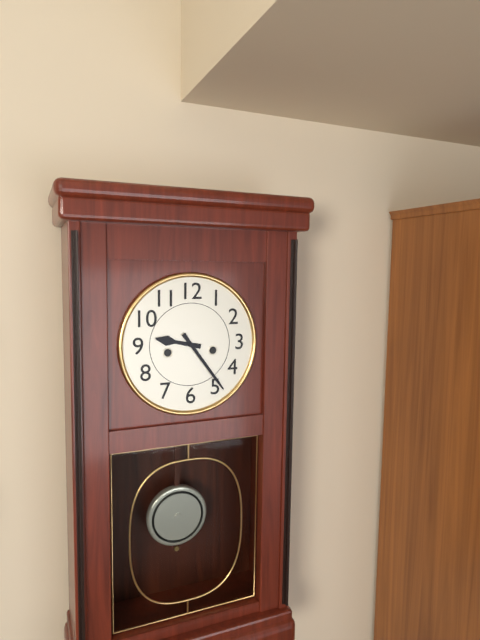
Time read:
h=9 m=24
